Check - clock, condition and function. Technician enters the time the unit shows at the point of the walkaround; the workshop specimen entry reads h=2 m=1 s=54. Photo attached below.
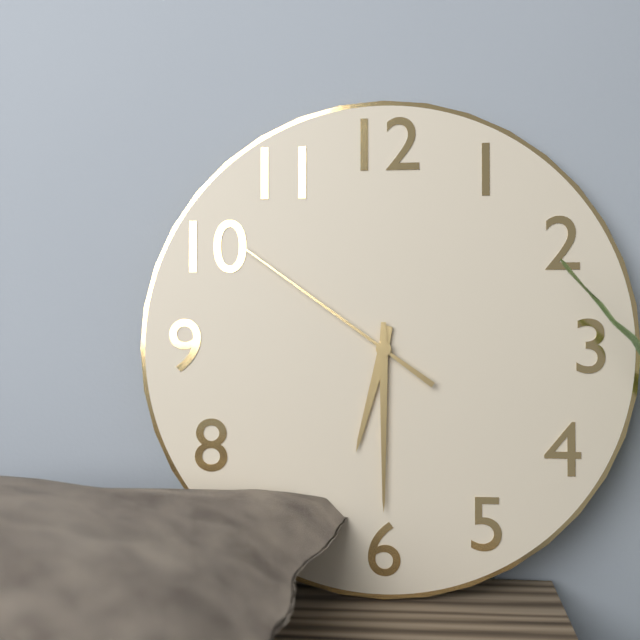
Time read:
h=6 m=30 s=51
